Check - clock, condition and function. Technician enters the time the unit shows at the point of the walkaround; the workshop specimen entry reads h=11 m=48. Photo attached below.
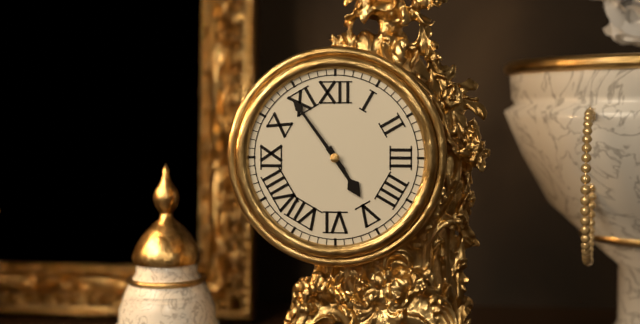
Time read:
h=4 m=54
